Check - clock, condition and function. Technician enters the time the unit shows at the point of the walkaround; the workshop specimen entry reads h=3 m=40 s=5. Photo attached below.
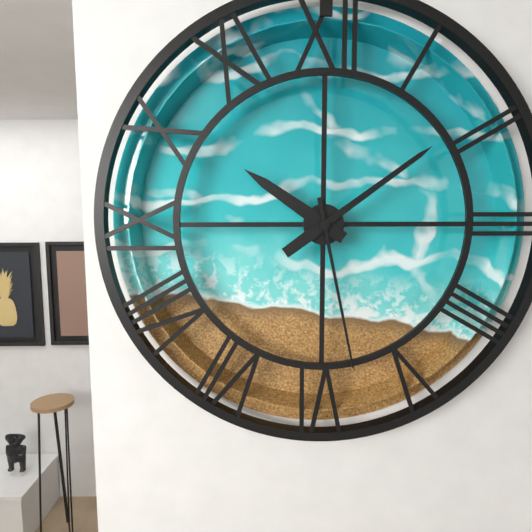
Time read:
h=10 m=9 s=28
